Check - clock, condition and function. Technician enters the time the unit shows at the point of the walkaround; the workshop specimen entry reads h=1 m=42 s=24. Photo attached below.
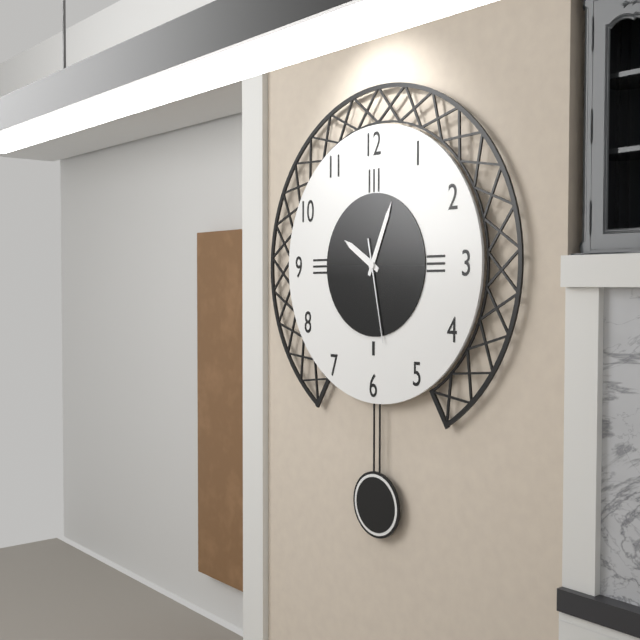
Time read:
h=10 m=4 s=28
